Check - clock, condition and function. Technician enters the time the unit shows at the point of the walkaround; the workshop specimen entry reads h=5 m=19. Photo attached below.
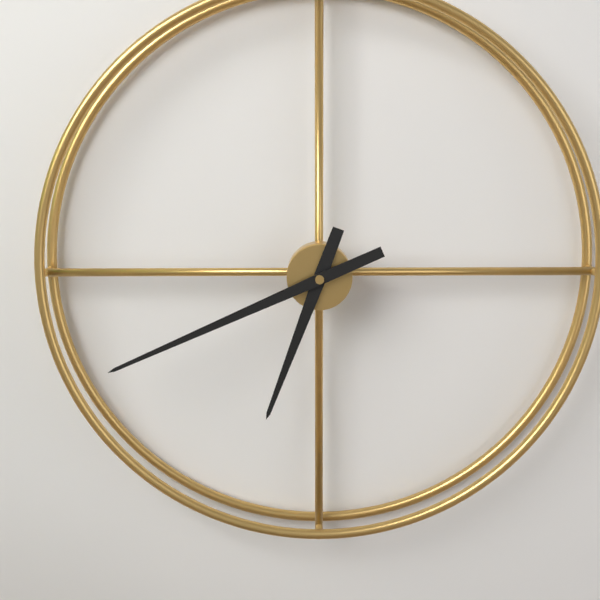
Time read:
h=6 m=41
